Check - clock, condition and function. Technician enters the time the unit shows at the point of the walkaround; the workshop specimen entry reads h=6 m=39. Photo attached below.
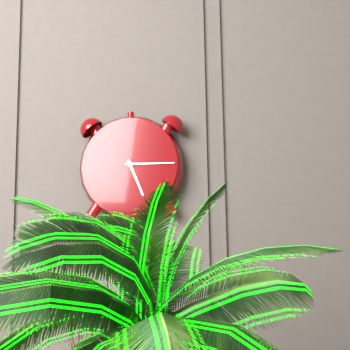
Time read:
h=5 m=15
